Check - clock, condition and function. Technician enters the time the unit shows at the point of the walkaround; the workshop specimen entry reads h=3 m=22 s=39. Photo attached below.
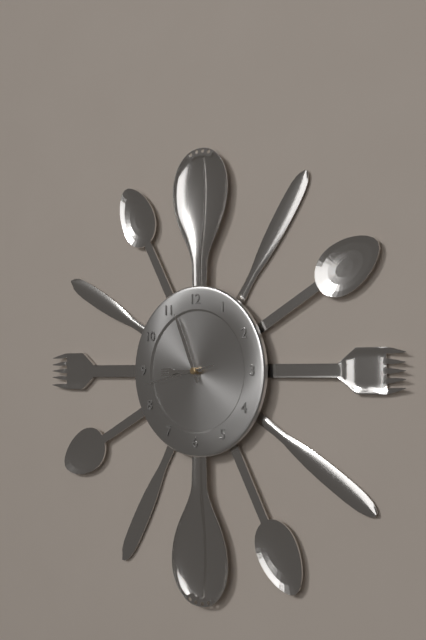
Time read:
h=8 m=56 s=43
